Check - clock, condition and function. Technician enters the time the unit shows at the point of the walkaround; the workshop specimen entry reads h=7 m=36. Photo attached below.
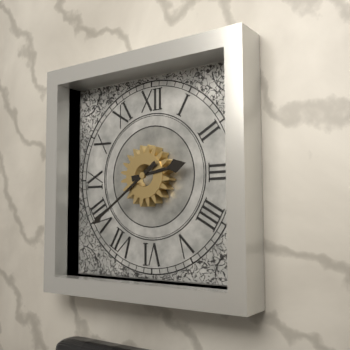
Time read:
h=2 m=39
